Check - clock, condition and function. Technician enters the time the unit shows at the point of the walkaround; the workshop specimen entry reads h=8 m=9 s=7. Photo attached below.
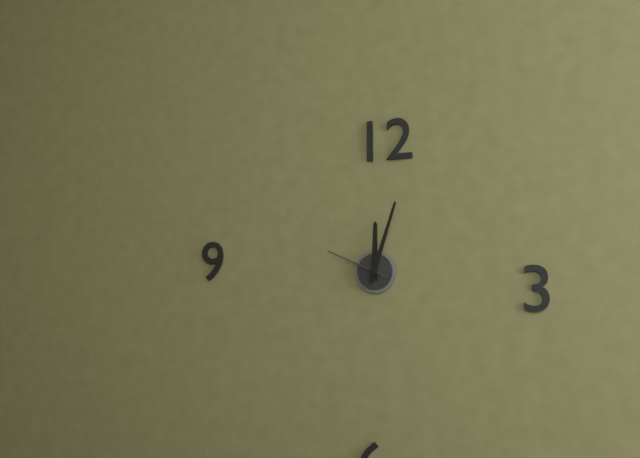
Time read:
h=12 m=3 s=49
